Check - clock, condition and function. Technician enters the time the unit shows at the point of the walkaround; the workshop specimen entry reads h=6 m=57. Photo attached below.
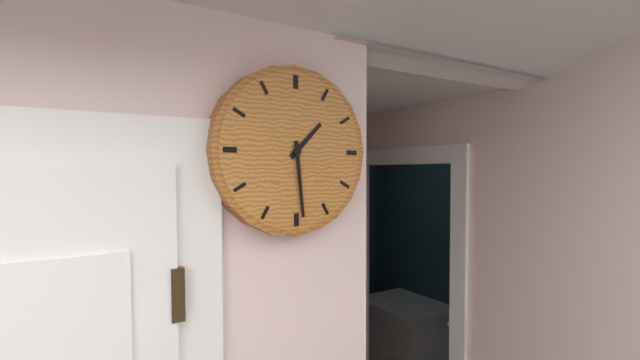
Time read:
h=1 m=29
